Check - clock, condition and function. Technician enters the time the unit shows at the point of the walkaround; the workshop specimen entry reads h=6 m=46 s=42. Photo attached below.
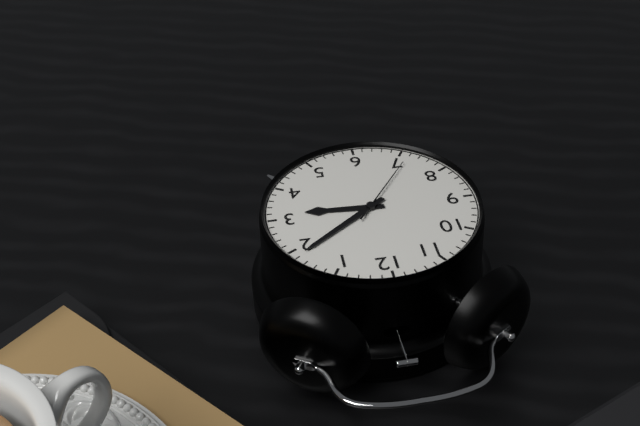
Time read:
h=3 m=9 s=36
